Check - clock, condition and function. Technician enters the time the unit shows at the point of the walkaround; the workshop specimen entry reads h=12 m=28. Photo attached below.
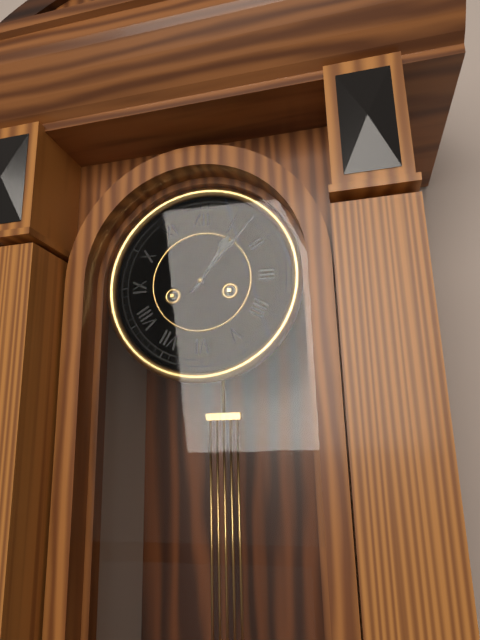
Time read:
h=1 m=7
